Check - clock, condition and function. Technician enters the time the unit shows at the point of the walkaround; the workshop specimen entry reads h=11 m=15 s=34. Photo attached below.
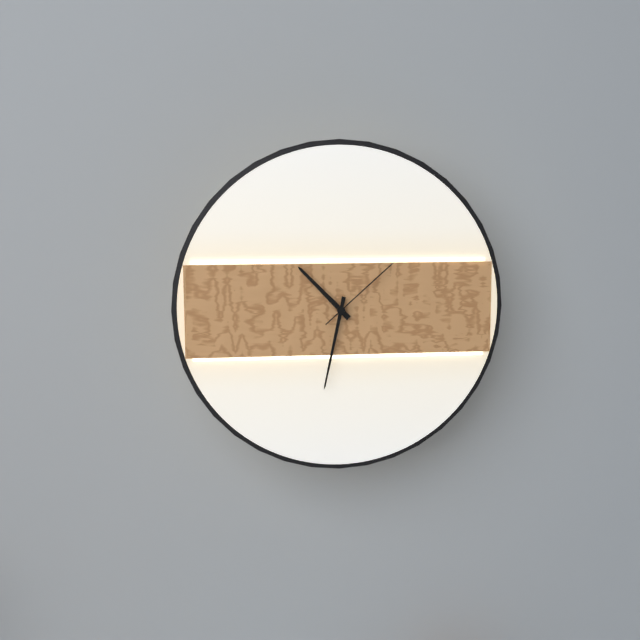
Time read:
h=10 m=32 s=8
